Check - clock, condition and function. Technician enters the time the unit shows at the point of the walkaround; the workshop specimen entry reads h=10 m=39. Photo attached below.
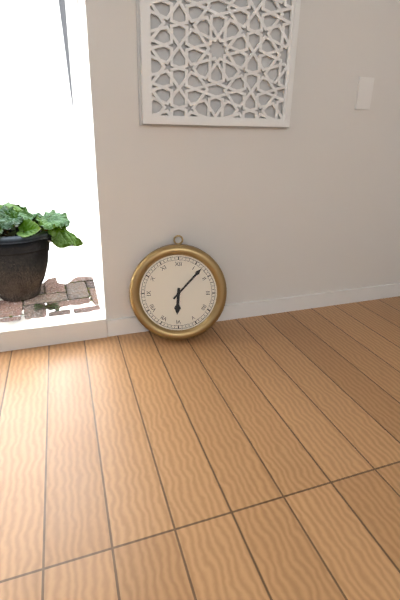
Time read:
h=6 m=7
